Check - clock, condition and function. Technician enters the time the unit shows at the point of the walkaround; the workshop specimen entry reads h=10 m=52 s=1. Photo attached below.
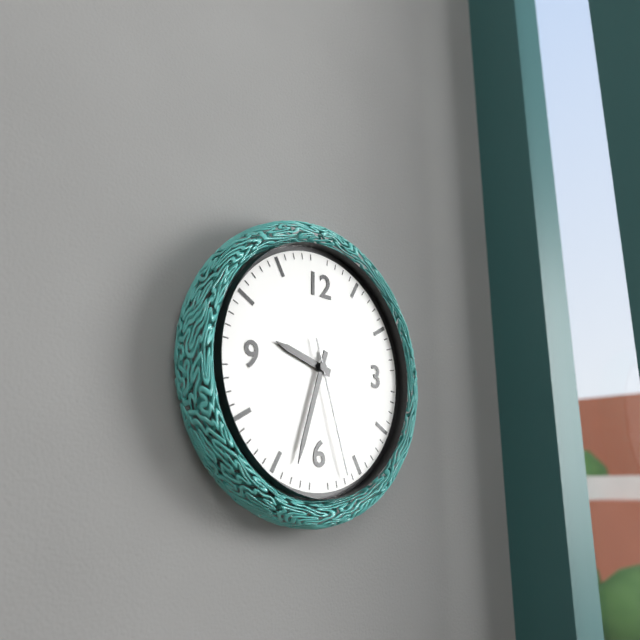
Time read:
h=9 m=33 s=27
